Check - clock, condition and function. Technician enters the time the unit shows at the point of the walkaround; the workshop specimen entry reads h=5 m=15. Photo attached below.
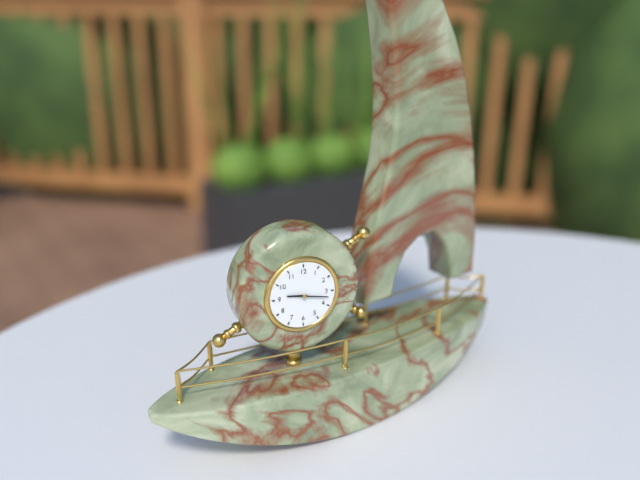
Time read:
h=9 m=17
